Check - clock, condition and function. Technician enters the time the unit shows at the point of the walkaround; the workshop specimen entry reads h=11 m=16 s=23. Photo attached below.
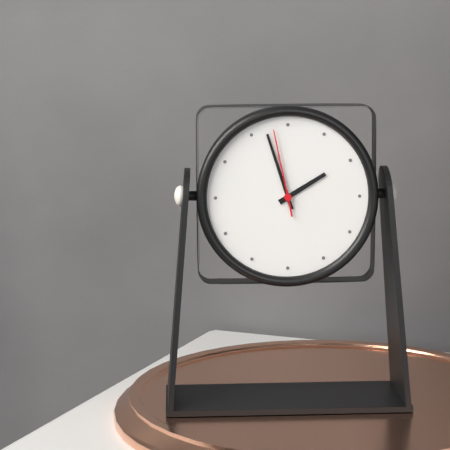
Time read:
h=1 m=57 s=58
